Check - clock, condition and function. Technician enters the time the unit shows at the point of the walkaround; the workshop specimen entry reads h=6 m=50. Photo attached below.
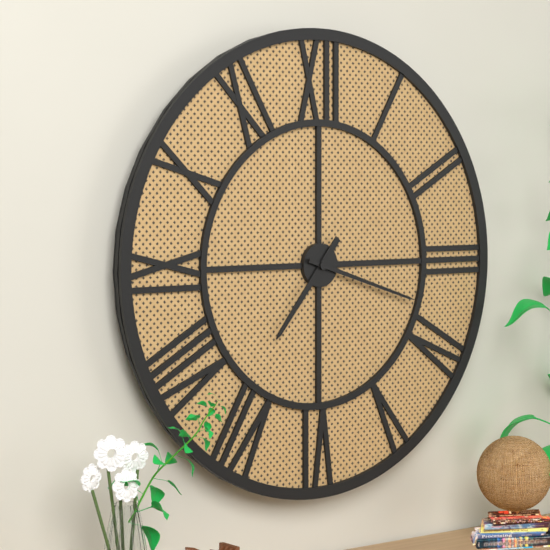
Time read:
h=7 m=18
